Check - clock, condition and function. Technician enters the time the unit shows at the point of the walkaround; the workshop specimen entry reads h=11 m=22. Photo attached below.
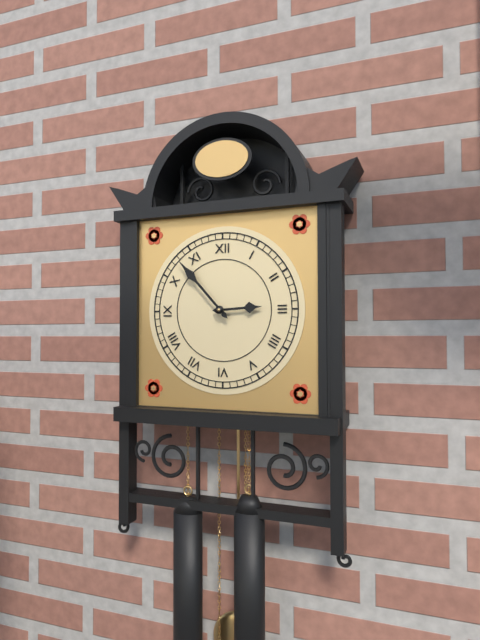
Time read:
h=2 m=53
